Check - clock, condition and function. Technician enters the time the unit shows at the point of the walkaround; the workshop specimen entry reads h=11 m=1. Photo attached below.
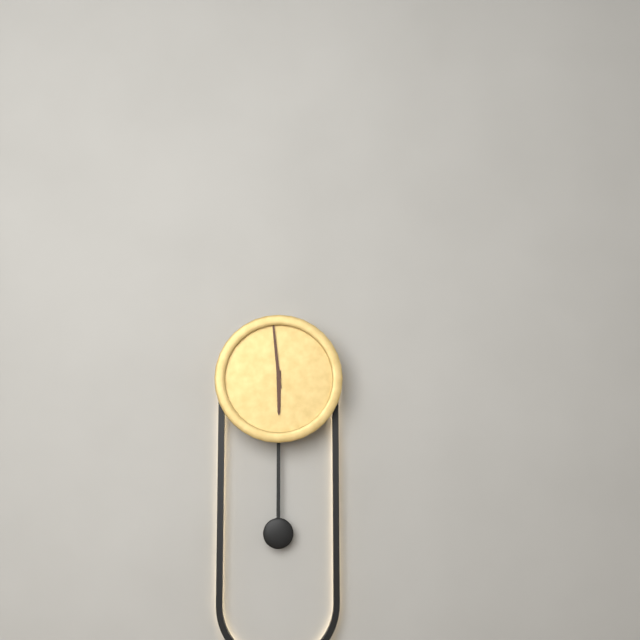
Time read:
h=5 m=59
